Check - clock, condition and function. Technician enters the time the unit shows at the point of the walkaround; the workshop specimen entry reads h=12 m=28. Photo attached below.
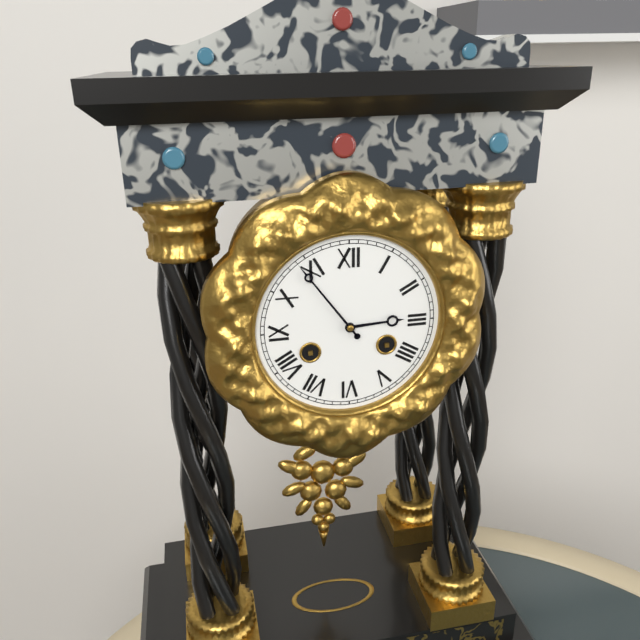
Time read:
h=2 m=54
